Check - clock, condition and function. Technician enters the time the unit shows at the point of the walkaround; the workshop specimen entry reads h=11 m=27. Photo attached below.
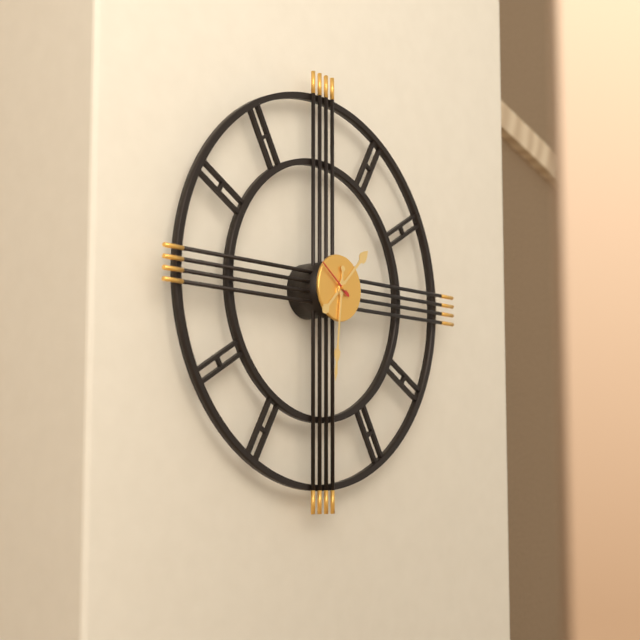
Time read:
h=1 m=31
